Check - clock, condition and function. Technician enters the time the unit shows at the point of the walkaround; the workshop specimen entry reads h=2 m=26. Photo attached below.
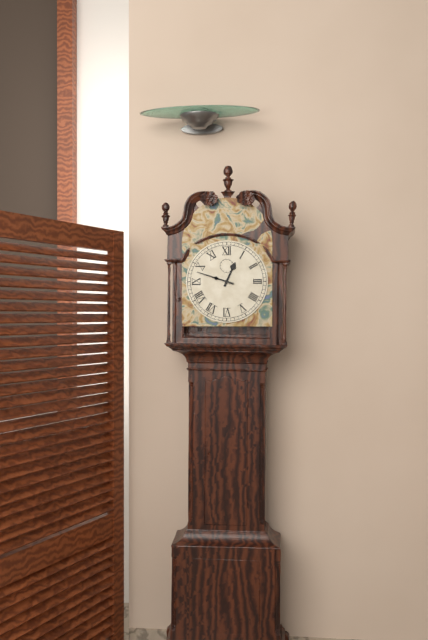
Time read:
h=12 m=48
